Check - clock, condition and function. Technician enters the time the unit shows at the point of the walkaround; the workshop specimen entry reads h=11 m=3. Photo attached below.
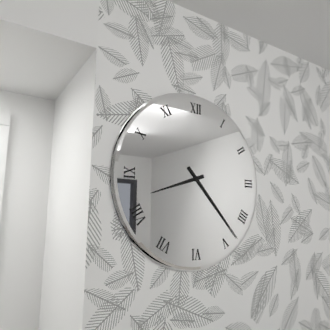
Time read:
h=8 m=23
